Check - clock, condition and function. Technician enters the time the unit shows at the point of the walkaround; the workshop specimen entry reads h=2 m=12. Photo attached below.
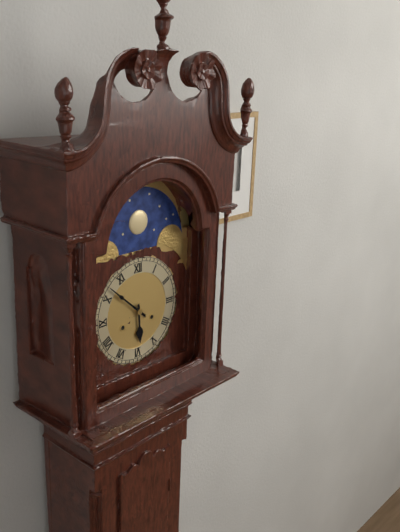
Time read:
h=5 m=52
